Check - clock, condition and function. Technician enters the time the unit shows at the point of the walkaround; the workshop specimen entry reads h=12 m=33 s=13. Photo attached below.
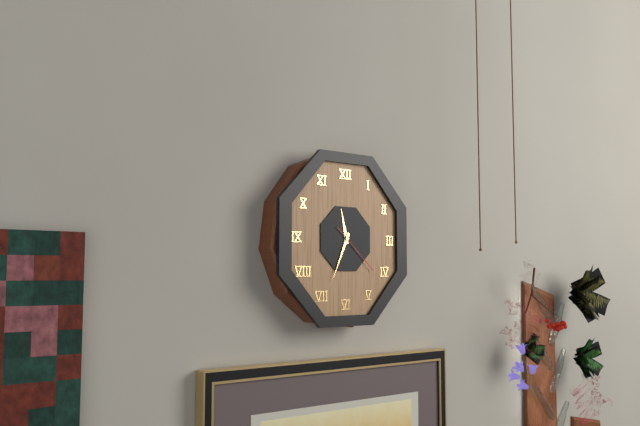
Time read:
h=11 m=34 s=22
